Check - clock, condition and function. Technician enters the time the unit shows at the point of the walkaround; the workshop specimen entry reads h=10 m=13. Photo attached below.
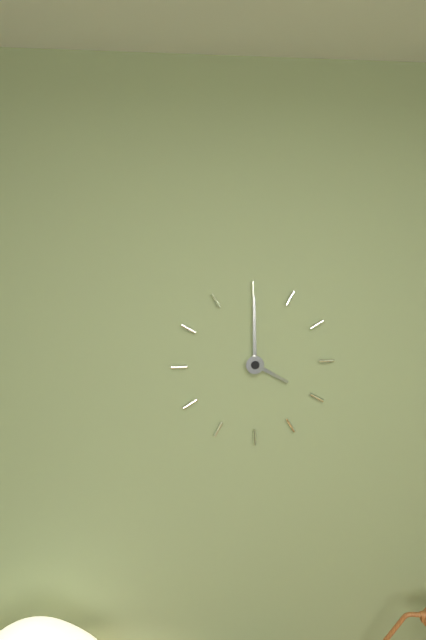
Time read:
h=4 m=0
